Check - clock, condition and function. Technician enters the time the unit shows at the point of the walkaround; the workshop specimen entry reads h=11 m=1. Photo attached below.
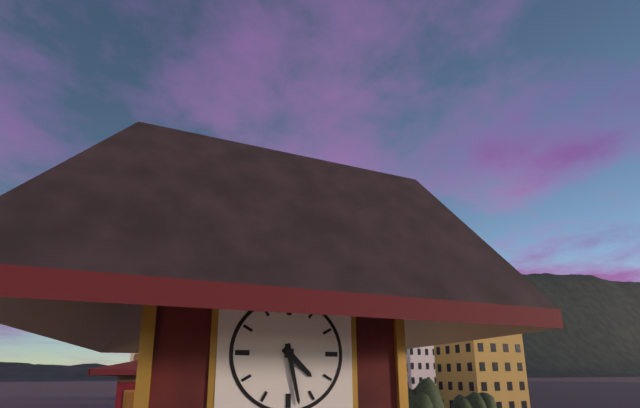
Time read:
h=4 m=28
